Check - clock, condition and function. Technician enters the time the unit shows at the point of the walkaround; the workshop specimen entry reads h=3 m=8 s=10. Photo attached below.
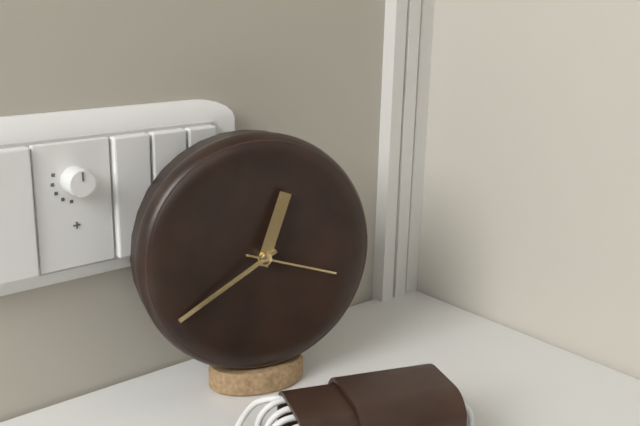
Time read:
h=12 m=40 s=18
